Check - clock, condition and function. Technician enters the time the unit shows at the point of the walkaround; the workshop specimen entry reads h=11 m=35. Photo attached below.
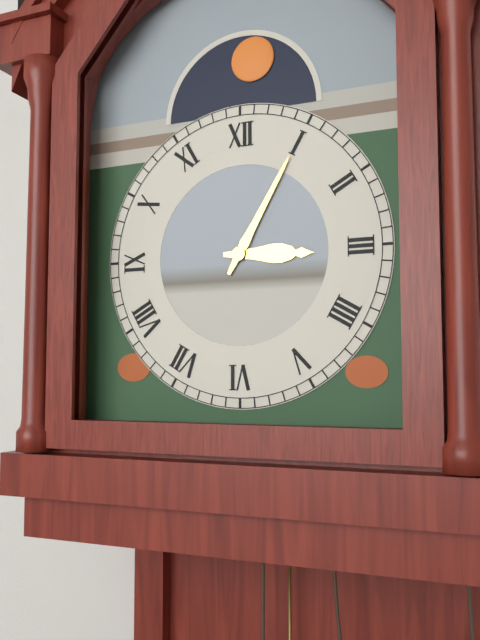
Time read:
h=3 m=5
